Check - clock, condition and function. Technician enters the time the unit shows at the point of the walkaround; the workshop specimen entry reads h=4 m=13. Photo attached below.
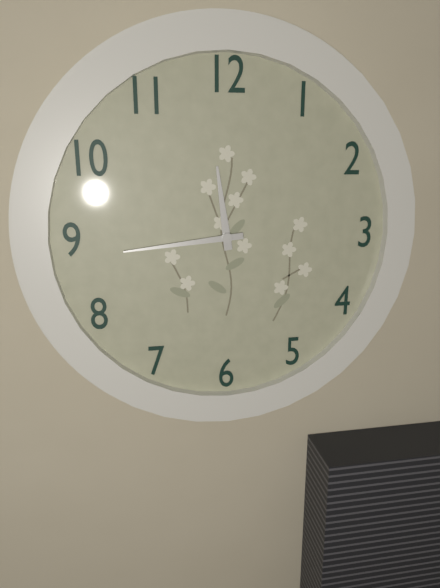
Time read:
h=11 m=44
